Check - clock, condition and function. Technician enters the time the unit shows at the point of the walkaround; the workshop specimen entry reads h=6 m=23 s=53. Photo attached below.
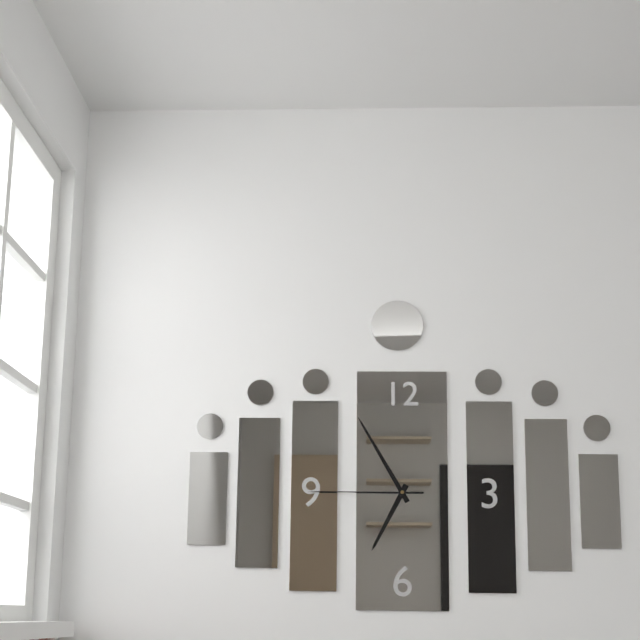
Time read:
h=6 m=55 s=45
